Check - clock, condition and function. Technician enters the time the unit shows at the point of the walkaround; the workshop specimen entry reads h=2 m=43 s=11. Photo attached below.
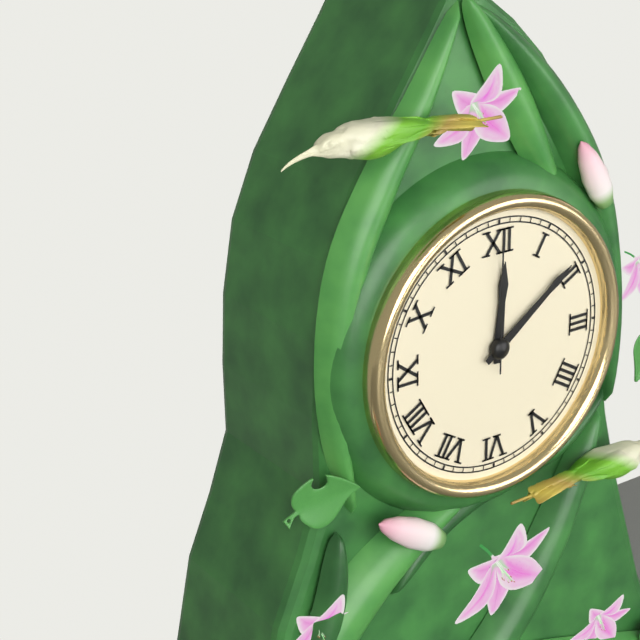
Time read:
h=12 m=9 s=0
